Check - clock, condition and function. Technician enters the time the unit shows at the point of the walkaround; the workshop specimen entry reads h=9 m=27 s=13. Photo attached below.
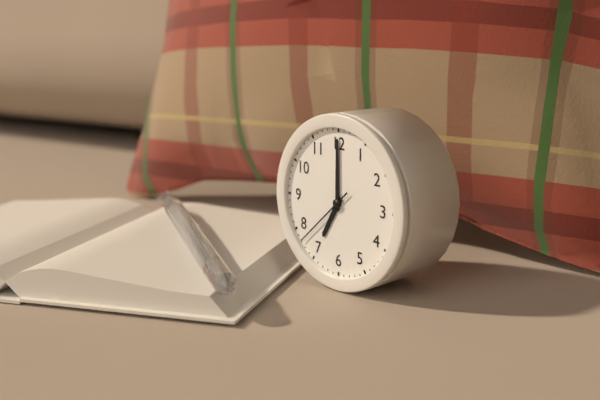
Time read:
h=7 m=0 s=38
